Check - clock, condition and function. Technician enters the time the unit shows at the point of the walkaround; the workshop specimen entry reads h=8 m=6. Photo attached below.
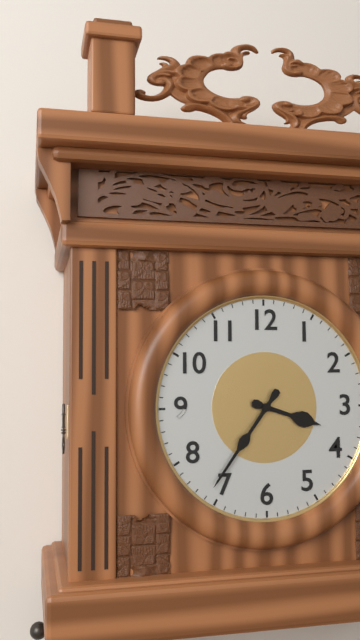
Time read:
h=3 m=36
